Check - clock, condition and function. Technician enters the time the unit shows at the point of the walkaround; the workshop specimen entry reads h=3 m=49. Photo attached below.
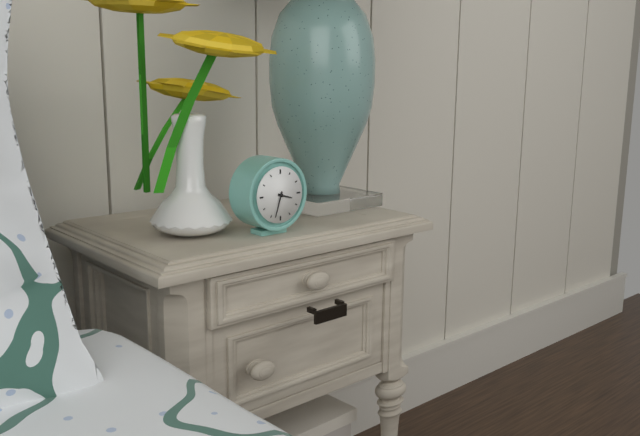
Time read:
h=3 m=33
